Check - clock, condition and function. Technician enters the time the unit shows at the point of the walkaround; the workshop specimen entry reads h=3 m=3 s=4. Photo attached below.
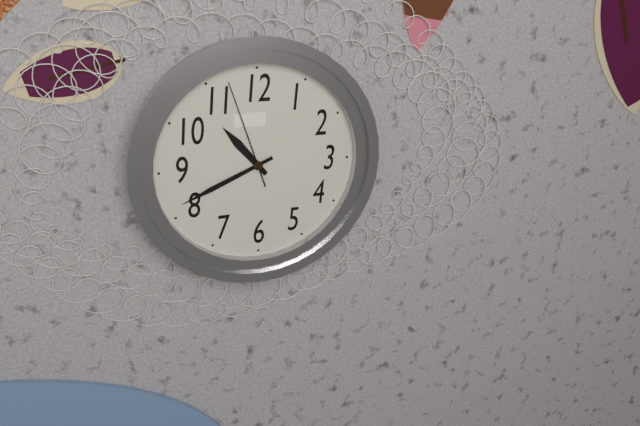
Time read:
h=10 m=41 s=57
